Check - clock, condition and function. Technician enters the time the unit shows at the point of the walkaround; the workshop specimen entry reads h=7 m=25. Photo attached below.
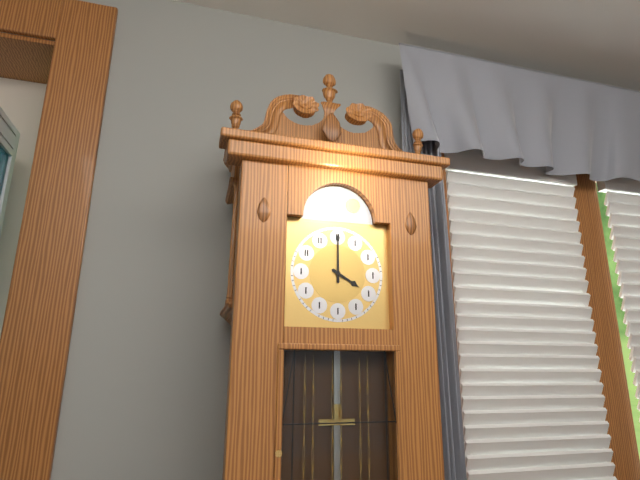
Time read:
h=4 m=0
